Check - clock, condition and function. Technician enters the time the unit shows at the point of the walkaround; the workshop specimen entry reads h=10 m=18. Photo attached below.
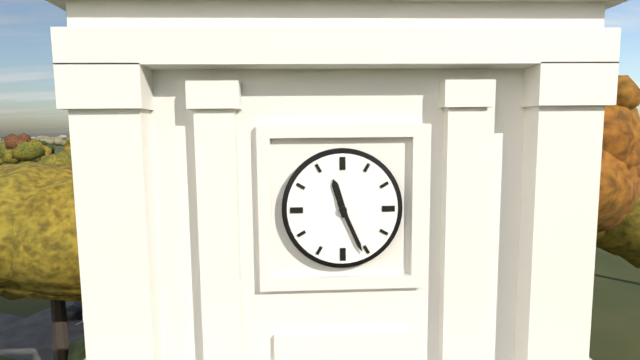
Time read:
h=11 m=26
